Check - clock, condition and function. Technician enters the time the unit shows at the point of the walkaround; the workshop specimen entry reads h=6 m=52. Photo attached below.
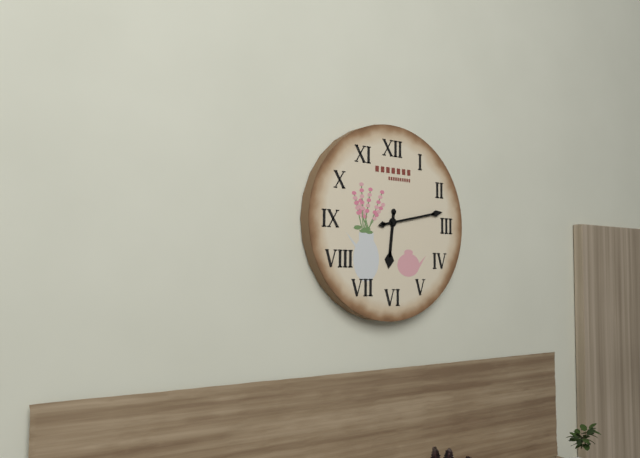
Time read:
h=6 m=13
